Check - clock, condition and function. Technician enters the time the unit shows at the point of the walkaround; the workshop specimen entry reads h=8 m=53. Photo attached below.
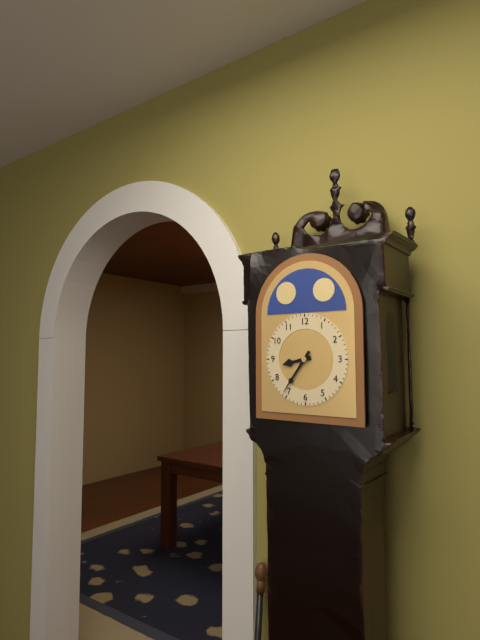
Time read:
h=8 m=36
